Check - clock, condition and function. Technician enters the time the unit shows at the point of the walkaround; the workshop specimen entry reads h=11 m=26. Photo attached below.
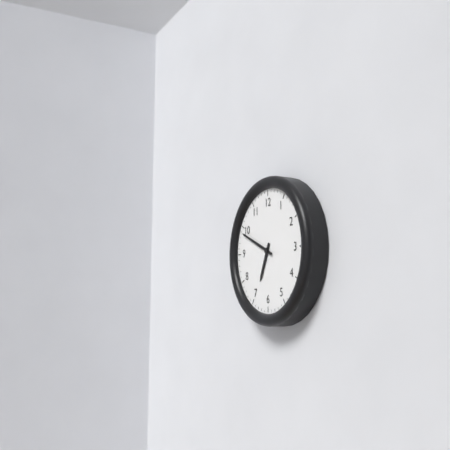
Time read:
h=6 m=49
